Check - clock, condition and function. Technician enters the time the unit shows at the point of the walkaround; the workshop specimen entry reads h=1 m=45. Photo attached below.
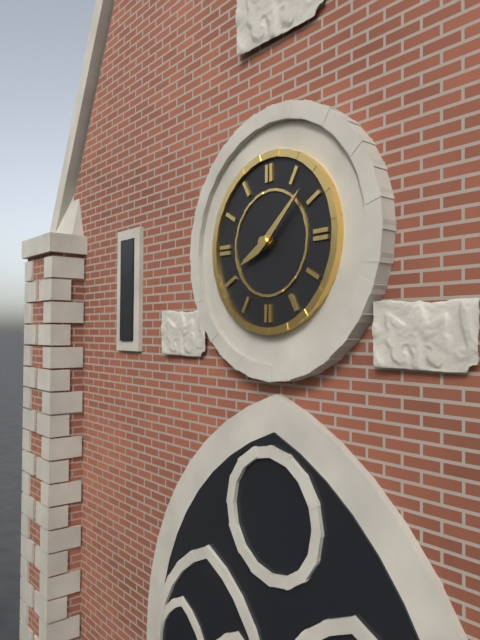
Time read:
h=8 m=8
